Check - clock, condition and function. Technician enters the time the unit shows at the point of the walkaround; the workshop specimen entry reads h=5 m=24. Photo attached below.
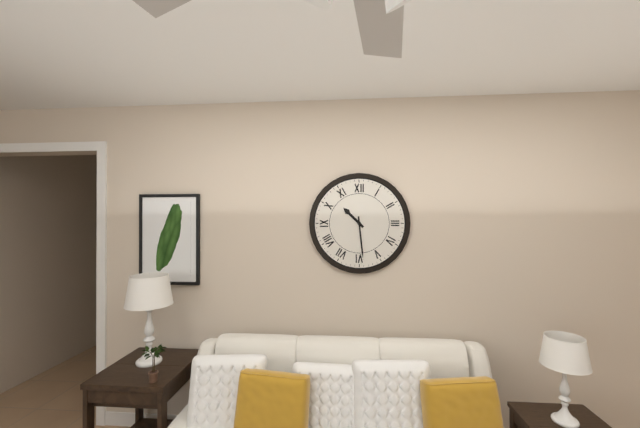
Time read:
h=10 m=29
